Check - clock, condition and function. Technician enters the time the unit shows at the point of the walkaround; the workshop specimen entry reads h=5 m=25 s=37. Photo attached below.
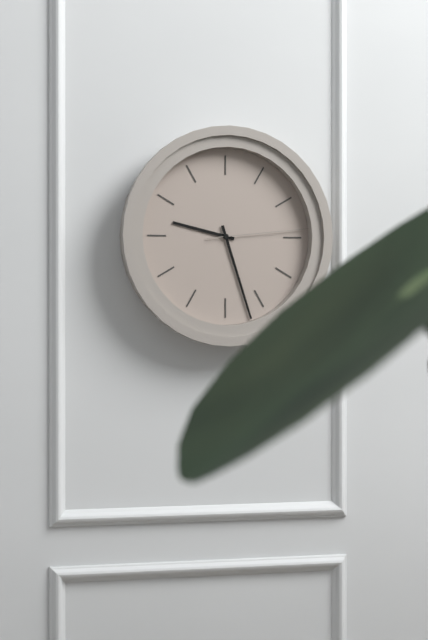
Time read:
h=9 m=27 s=14
